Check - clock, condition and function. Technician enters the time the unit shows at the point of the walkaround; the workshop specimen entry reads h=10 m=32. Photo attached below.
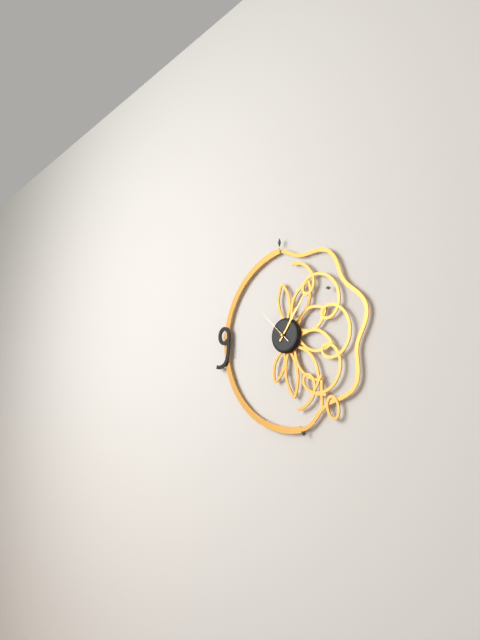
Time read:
h=1 m=6
